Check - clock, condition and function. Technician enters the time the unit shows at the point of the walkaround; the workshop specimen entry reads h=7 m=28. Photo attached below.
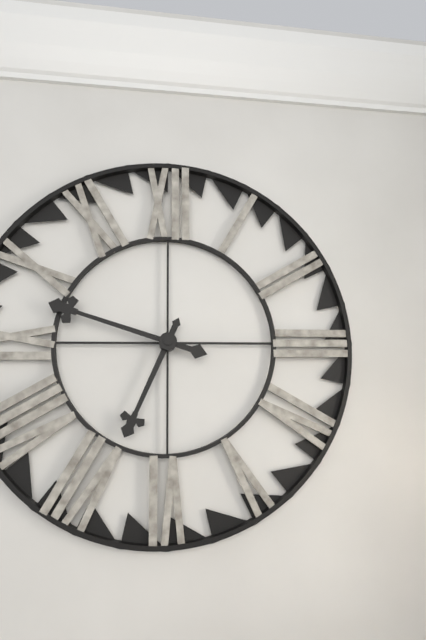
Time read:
h=6 m=48
